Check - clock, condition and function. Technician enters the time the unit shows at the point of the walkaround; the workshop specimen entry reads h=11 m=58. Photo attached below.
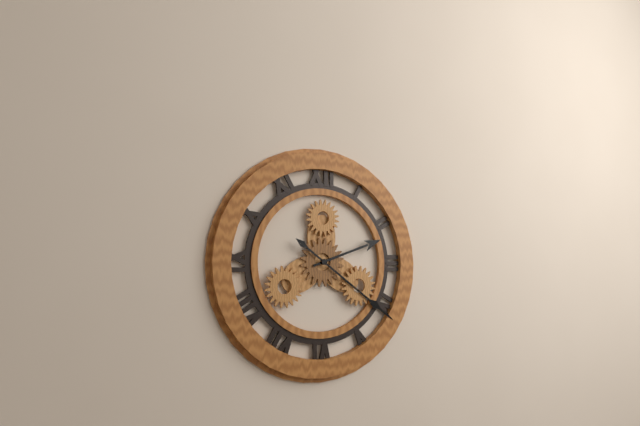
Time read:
h=2 m=21
